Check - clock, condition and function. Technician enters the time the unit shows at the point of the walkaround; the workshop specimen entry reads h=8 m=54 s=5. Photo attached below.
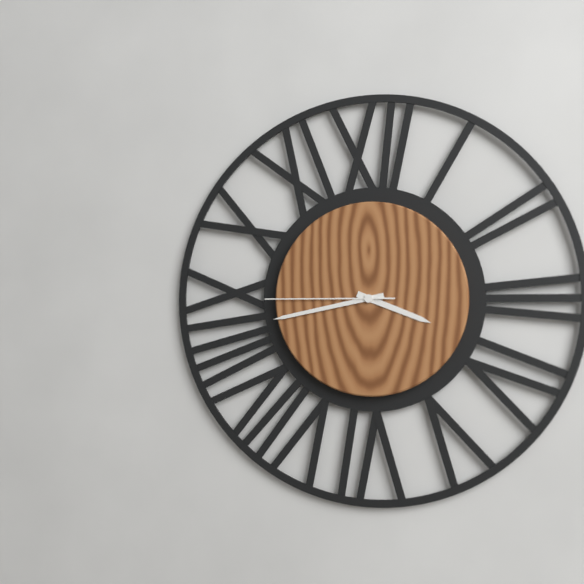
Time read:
h=3 m=43 s=45
